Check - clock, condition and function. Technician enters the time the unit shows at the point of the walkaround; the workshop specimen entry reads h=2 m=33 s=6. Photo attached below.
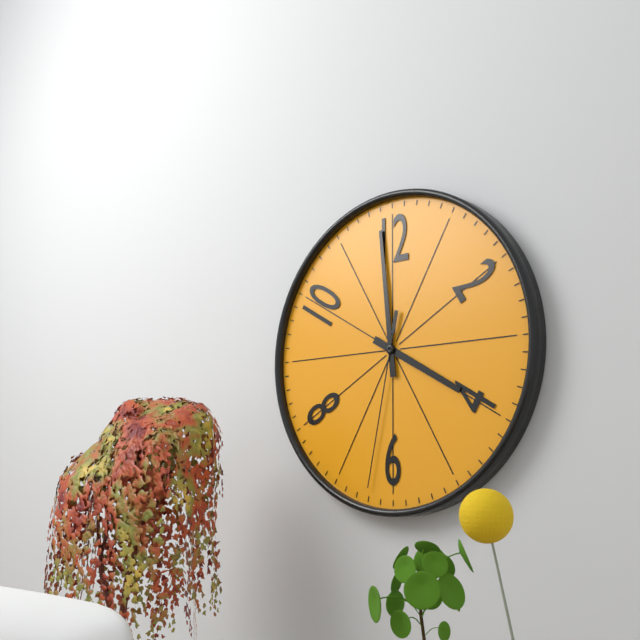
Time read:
h=3 m=59 s=32
